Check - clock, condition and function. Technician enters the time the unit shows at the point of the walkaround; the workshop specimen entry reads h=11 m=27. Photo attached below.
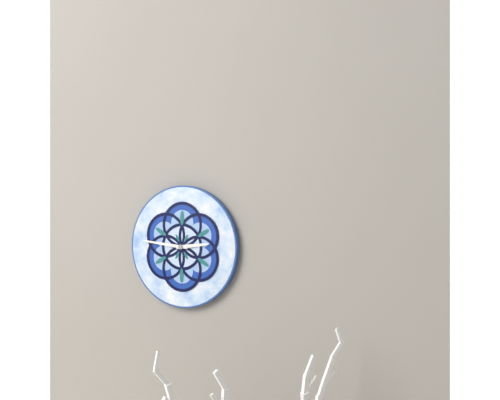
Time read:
h=2 m=46
